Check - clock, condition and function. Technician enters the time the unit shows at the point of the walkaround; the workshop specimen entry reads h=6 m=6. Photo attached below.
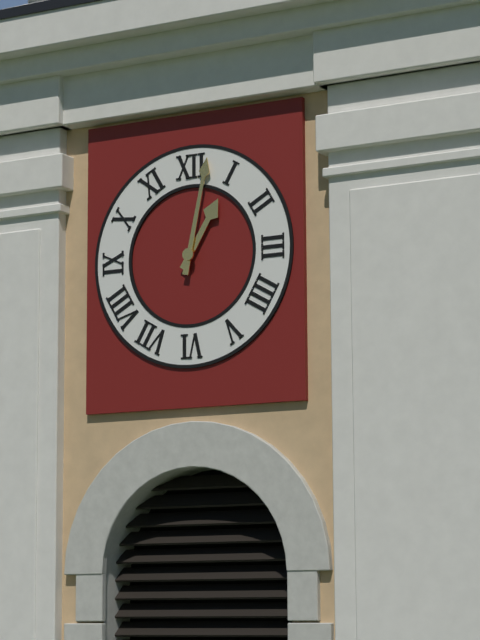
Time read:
h=1 m=2
